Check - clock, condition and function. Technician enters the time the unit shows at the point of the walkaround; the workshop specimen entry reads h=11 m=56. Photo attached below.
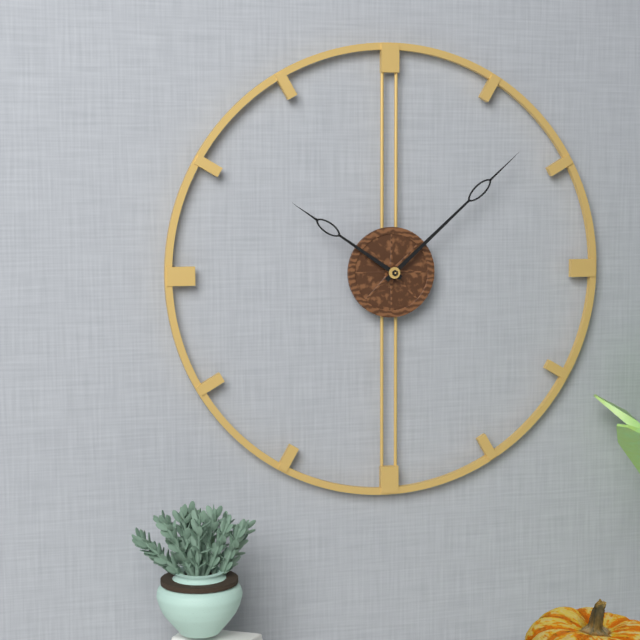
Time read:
h=10 m=8
